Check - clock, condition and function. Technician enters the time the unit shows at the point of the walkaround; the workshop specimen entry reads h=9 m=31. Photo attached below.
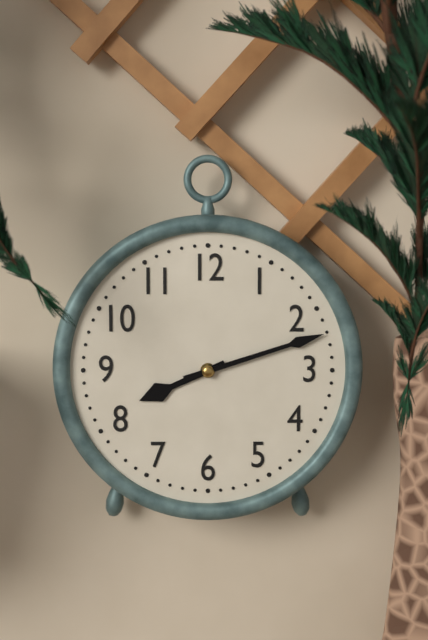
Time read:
h=8 m=12
